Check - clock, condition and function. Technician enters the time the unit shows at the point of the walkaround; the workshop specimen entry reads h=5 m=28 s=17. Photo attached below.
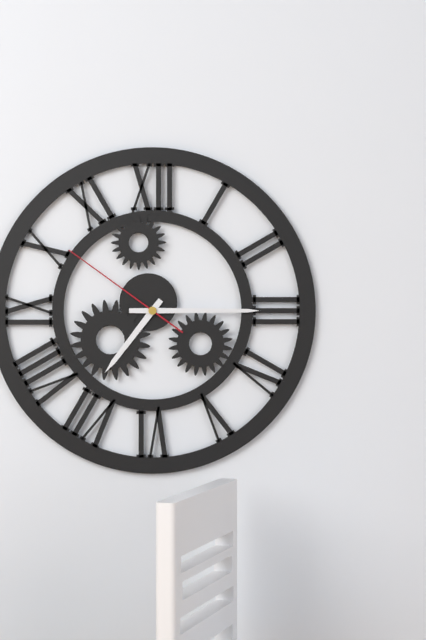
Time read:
h=7 m=15 s=51
